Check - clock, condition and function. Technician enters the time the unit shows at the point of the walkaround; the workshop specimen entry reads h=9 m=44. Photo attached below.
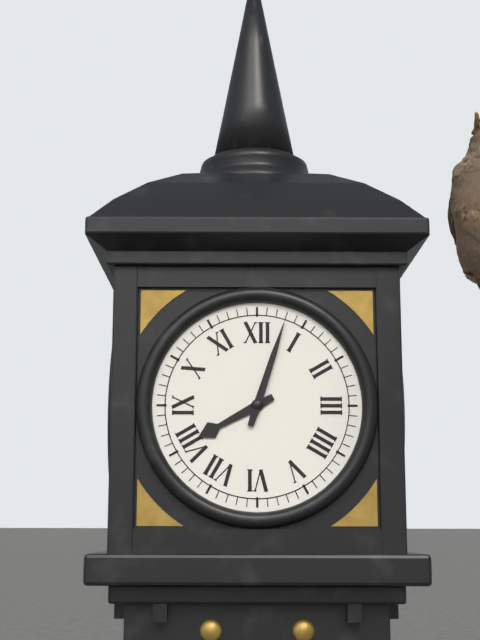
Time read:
h=8 m=3
